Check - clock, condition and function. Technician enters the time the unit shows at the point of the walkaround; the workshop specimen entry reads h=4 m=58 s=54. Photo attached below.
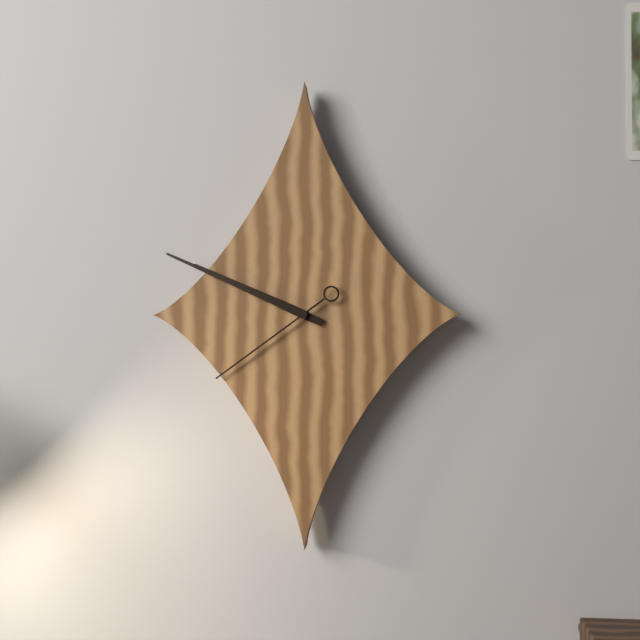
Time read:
h=9 m=49 s=39
